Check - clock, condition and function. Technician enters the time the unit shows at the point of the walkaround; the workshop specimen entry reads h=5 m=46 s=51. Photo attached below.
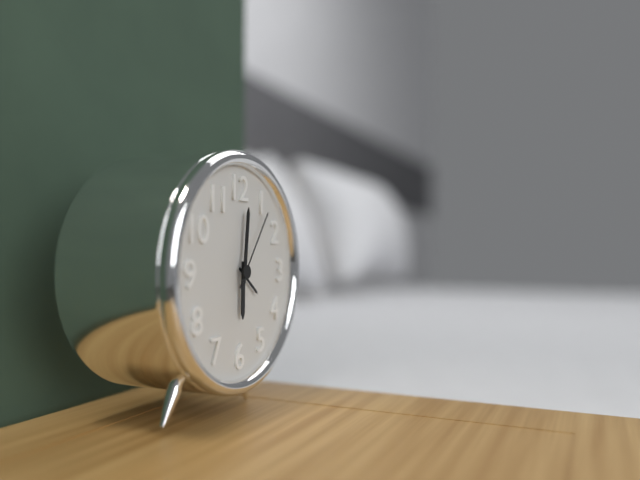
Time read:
h=6 m=1 s=6
